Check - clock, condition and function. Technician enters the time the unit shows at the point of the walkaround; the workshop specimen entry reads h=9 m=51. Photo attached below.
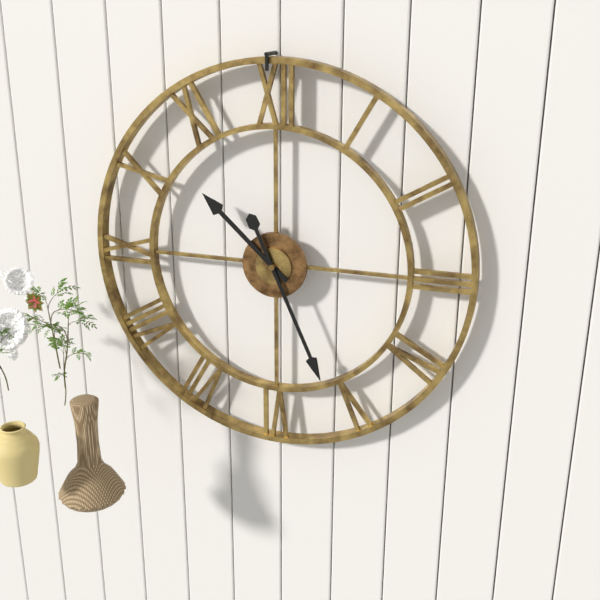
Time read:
h=10 m=26
